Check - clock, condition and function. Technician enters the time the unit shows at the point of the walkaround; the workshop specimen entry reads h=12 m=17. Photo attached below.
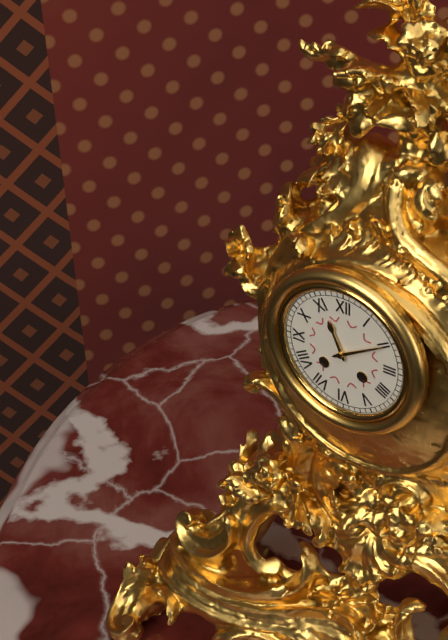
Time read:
h=11 m=10
